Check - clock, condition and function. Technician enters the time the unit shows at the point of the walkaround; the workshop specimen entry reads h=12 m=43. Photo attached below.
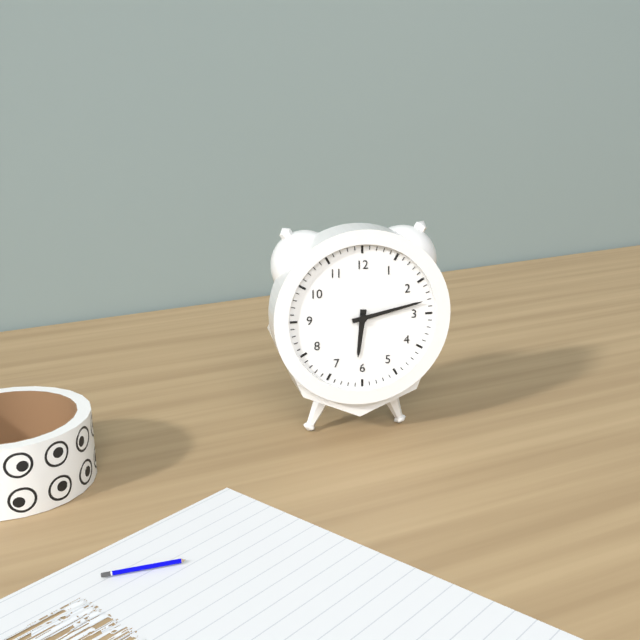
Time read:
h=6 m=13
